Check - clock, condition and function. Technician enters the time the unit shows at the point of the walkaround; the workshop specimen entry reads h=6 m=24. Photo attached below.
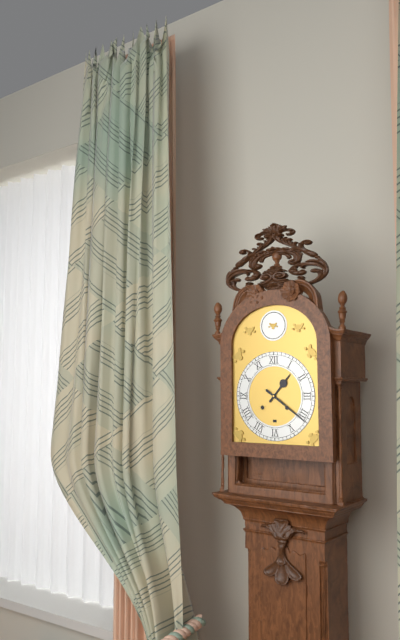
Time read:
h=1 m=21
